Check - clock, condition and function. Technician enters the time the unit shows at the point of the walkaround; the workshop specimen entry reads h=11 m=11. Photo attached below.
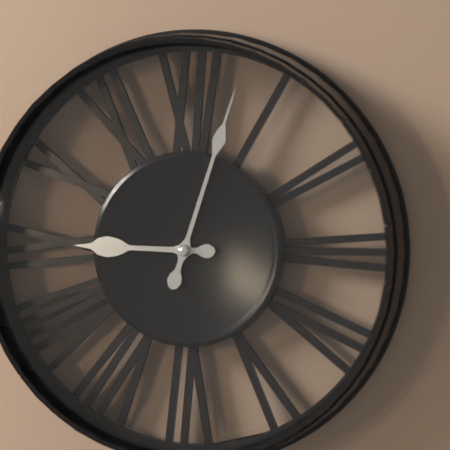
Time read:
h=9 m=3
